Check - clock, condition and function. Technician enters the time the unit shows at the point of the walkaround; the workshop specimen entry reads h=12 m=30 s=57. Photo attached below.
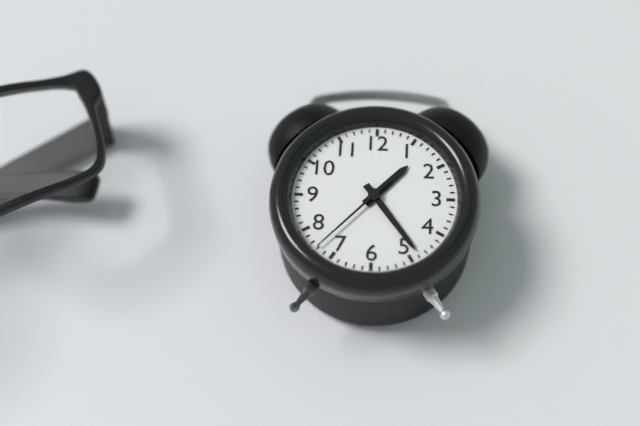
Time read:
h=1 m=24 s=37
